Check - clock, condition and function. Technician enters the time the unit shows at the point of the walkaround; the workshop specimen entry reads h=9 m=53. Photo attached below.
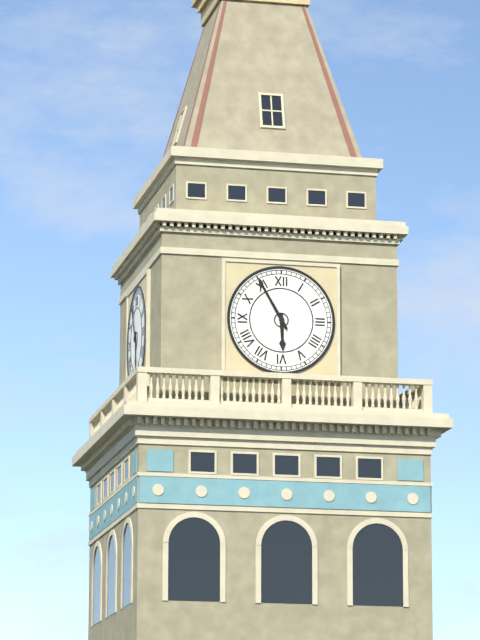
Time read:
h=5 m=55
